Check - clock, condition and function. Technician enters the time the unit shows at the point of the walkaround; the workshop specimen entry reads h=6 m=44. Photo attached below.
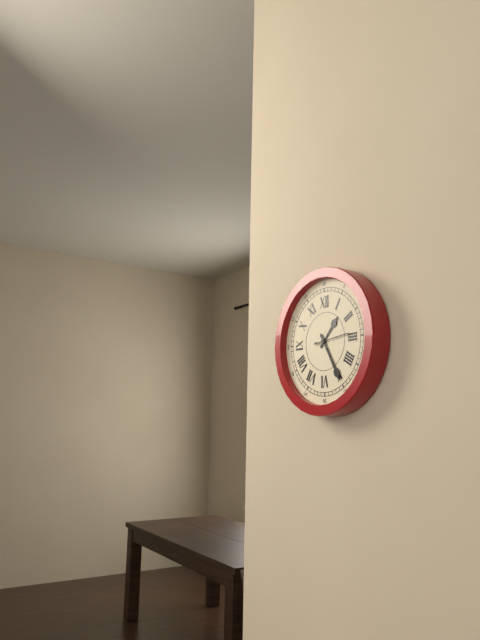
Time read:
h=1 m=25
